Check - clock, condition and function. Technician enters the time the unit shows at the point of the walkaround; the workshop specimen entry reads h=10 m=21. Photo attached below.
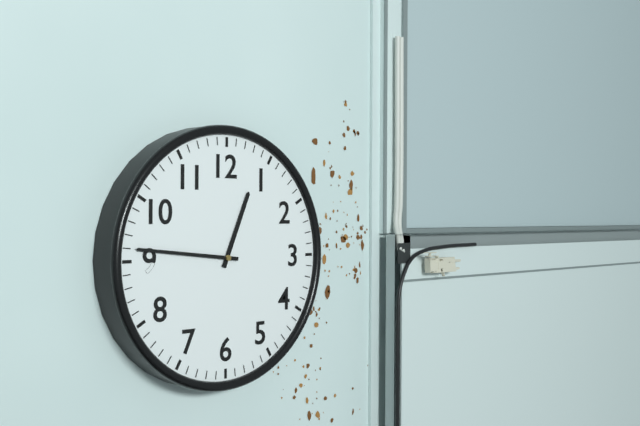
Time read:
h=12 m=46
